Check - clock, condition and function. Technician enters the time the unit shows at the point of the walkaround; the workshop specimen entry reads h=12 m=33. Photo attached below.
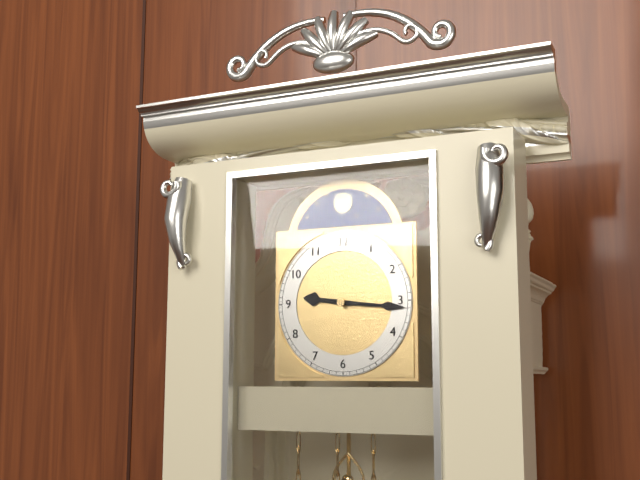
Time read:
h=9 m=16
